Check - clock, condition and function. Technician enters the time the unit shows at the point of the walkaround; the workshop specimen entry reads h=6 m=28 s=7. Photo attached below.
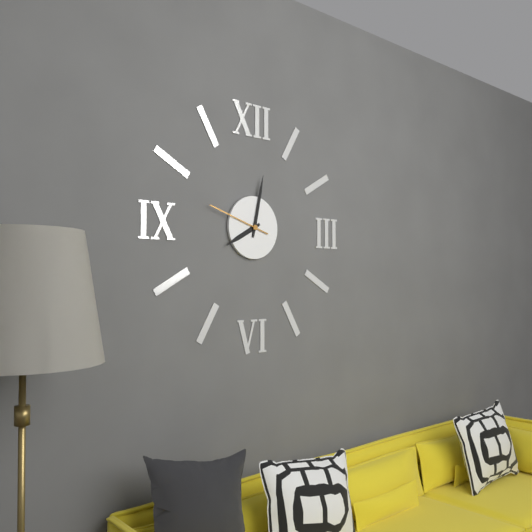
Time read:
h=8 m=2 s=48
